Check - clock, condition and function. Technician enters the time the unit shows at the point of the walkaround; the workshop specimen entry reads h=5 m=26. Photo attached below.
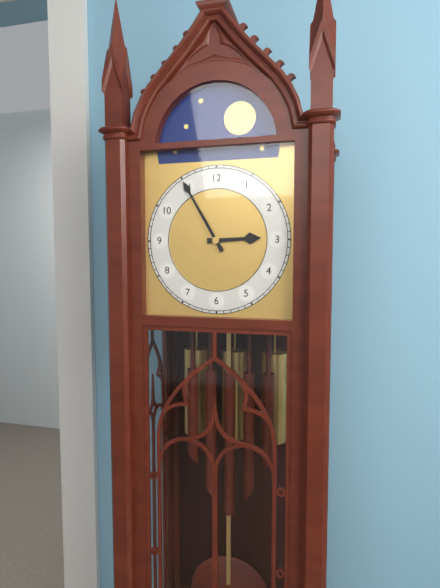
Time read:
h=2 m=55
